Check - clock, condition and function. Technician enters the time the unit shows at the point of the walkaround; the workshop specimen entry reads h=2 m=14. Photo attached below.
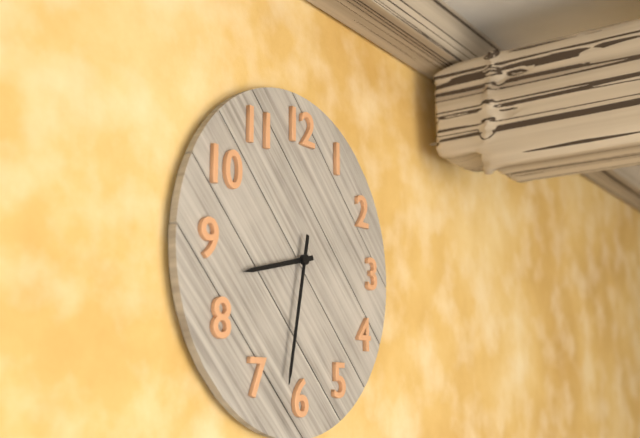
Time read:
h=8 m=32
